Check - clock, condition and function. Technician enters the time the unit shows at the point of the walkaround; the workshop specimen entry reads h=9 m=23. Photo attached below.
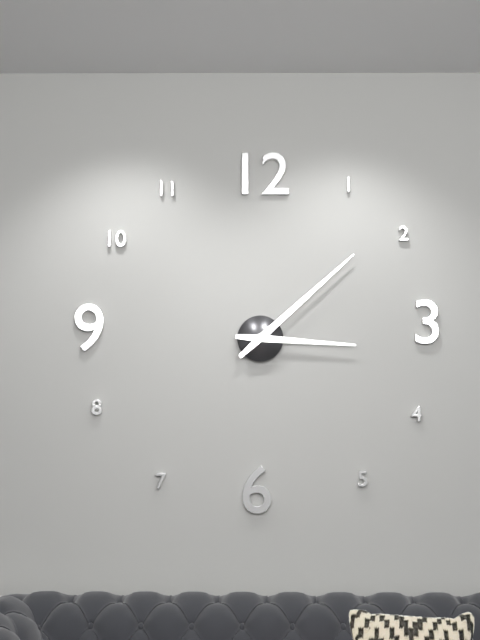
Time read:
h=3 m=8
